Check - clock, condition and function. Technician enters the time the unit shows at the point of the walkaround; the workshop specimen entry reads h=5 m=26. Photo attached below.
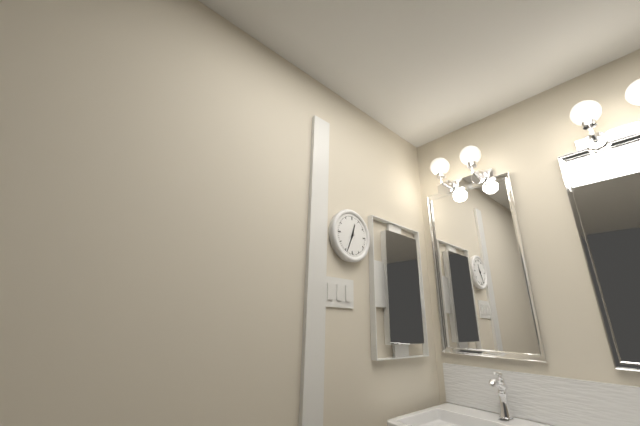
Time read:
h=12 m=34
